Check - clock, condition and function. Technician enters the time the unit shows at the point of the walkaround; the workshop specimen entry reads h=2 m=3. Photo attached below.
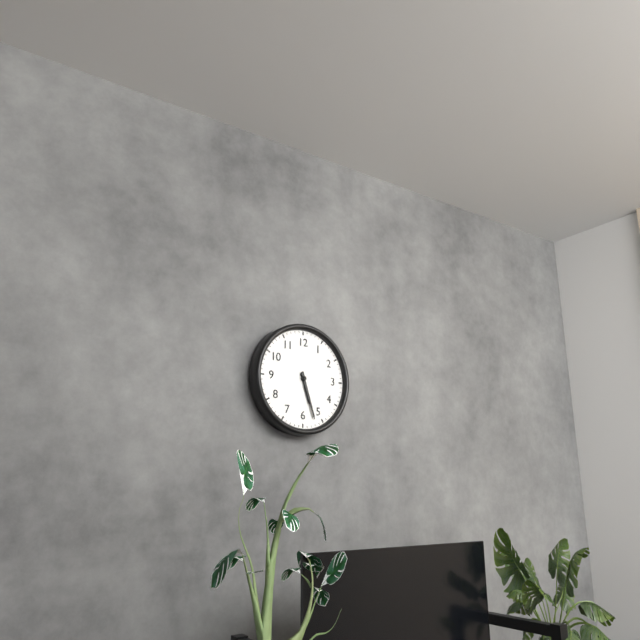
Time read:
h=5 m=27
